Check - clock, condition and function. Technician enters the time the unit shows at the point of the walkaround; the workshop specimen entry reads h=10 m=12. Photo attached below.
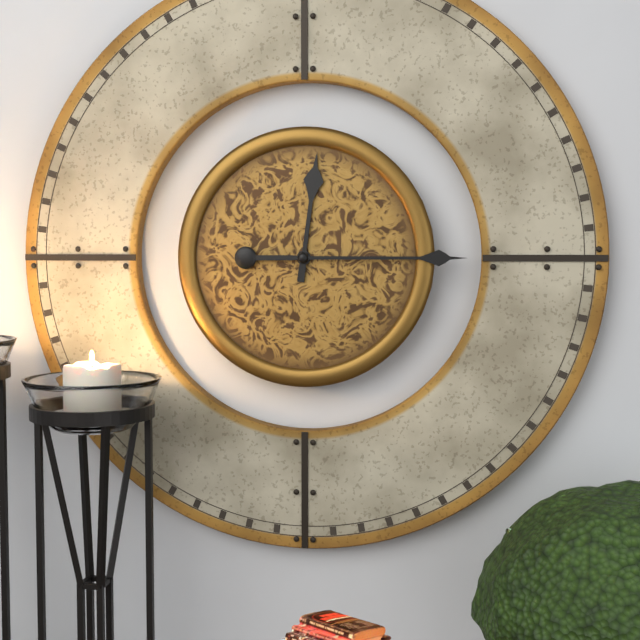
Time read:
h=12 m=15
